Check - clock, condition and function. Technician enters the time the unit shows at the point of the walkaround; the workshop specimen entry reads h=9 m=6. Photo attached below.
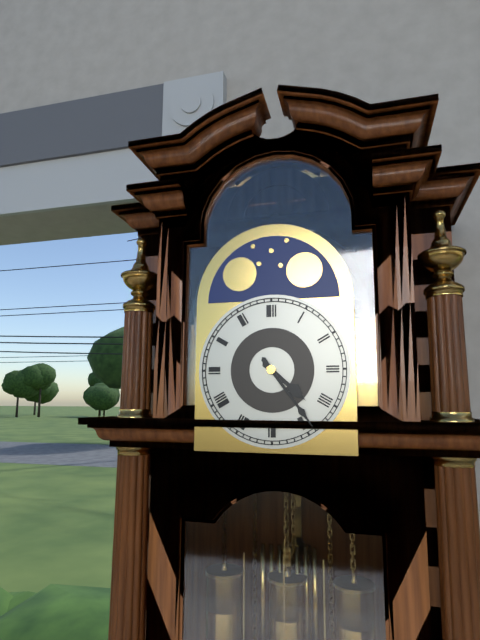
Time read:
h=4 m=24
